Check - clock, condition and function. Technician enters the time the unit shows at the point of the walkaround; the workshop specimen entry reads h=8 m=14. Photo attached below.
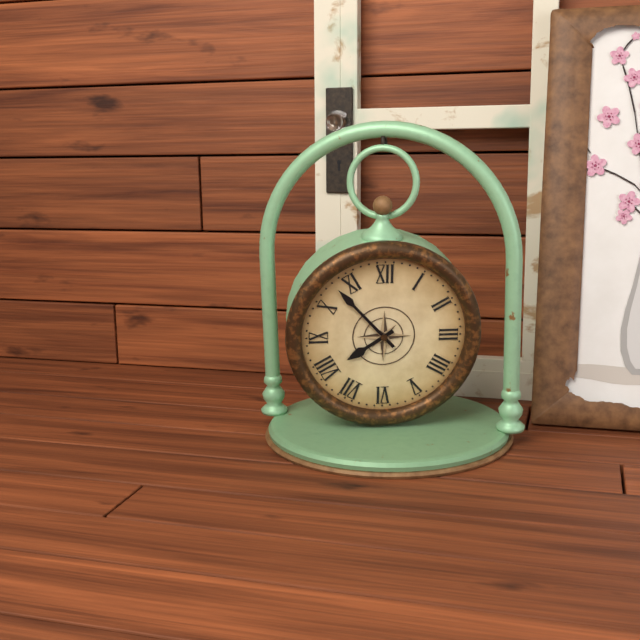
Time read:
h=7 m=53
